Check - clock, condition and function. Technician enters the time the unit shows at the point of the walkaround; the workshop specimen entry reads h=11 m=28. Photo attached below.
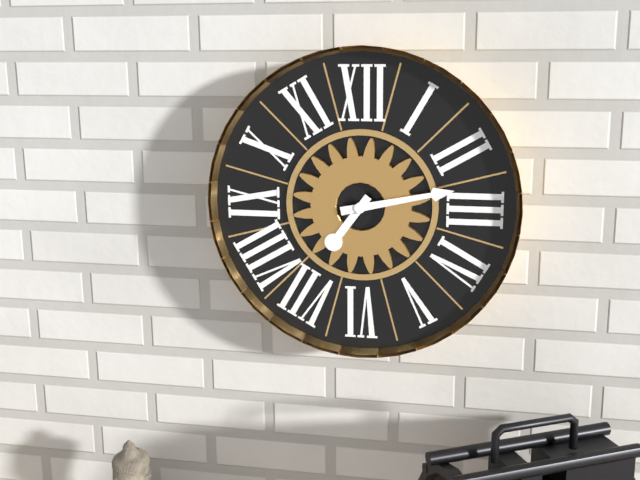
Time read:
h=7 m=13
